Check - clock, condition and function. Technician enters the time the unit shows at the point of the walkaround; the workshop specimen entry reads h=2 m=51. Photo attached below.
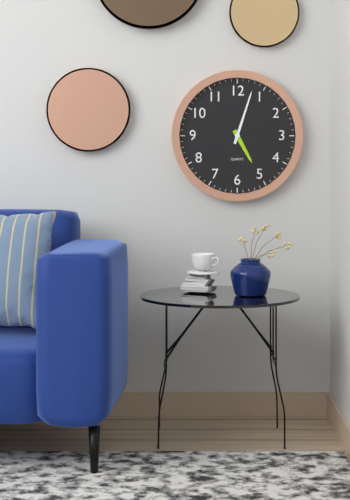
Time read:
h=5 m=3
